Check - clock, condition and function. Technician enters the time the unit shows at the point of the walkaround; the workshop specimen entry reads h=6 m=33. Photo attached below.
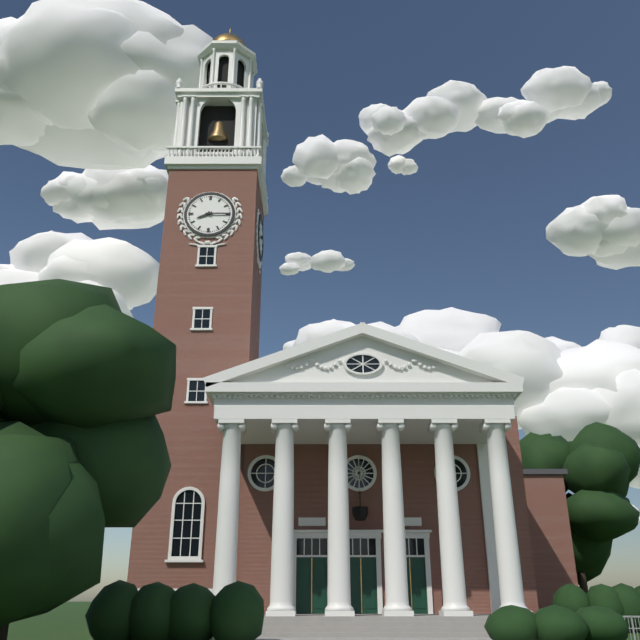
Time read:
h=8 m=15
